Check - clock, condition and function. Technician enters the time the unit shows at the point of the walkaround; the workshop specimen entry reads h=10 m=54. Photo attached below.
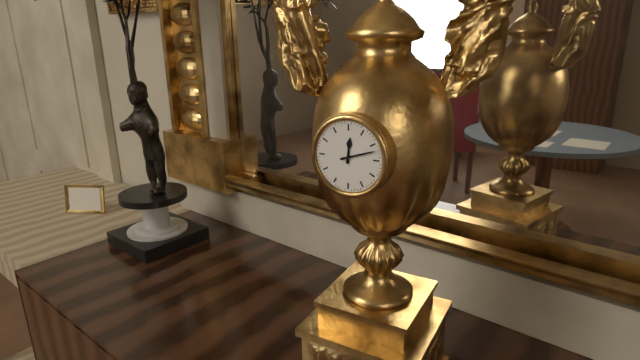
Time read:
h=12 m=12
